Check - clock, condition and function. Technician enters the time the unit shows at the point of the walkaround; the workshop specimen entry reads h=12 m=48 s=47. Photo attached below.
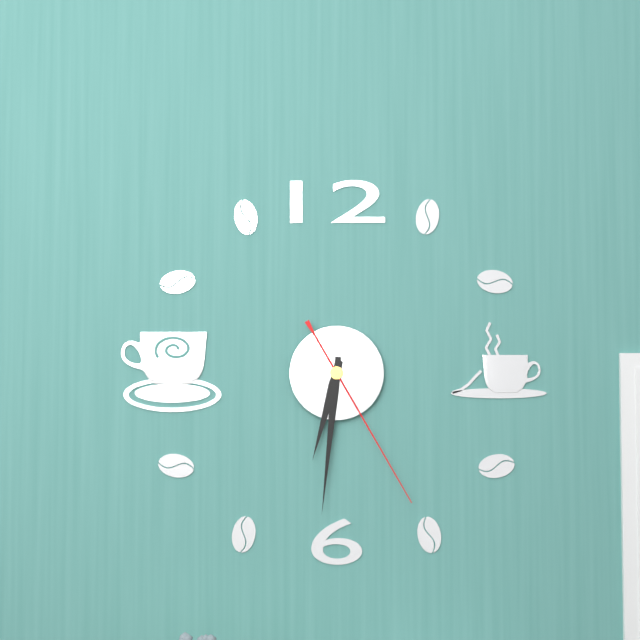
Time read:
h=6 m=31 s=25
